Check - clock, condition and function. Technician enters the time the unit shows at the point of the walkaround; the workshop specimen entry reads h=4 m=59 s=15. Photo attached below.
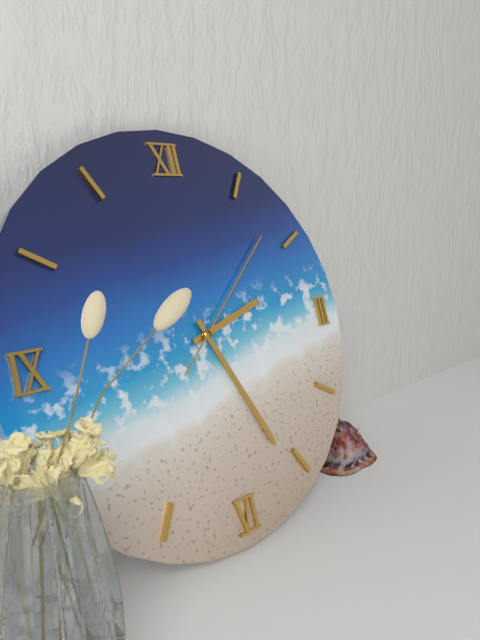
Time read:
h=2 m=26 s=8
